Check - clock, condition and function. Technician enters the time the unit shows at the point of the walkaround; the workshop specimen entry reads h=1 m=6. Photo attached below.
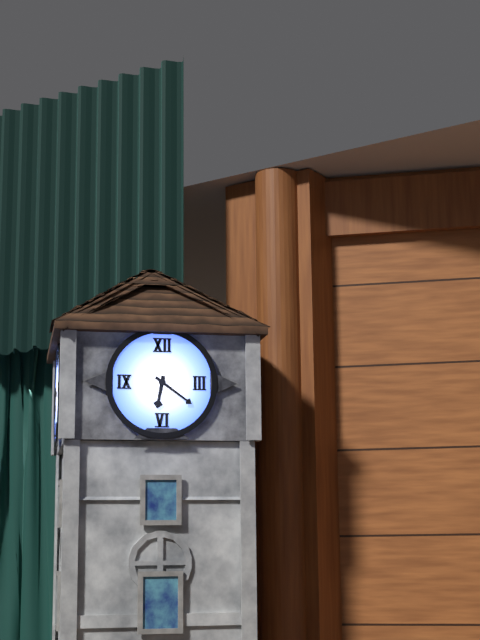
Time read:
h=6 m=21
